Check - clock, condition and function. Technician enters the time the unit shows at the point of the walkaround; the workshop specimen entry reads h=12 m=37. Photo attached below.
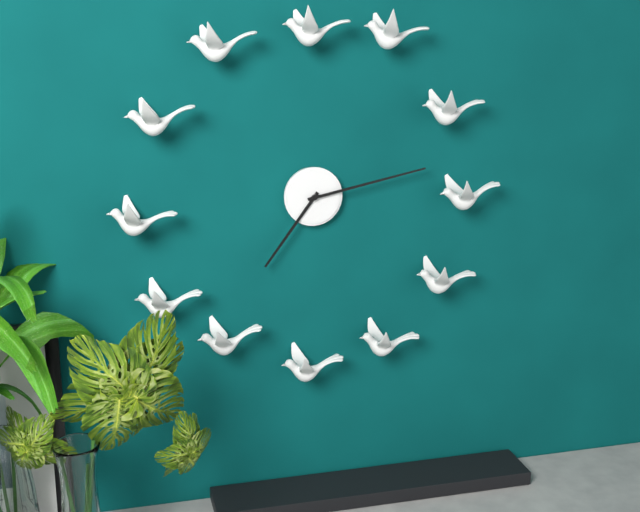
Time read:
h=7 m=13
